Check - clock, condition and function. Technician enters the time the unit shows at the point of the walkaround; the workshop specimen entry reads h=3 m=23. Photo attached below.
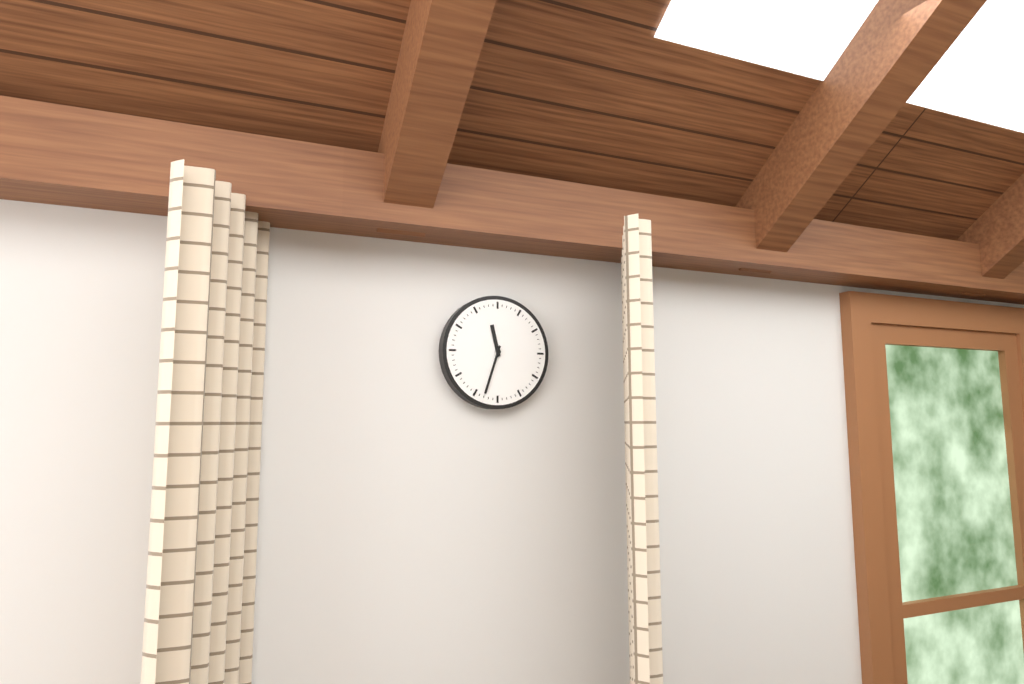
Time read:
h=11 m=33
